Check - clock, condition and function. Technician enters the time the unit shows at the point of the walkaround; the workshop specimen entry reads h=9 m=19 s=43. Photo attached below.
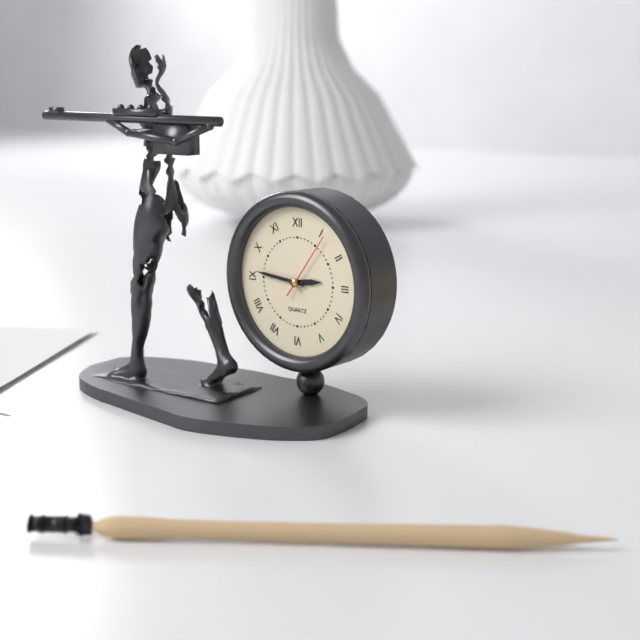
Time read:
h=2 m=46 s=6
